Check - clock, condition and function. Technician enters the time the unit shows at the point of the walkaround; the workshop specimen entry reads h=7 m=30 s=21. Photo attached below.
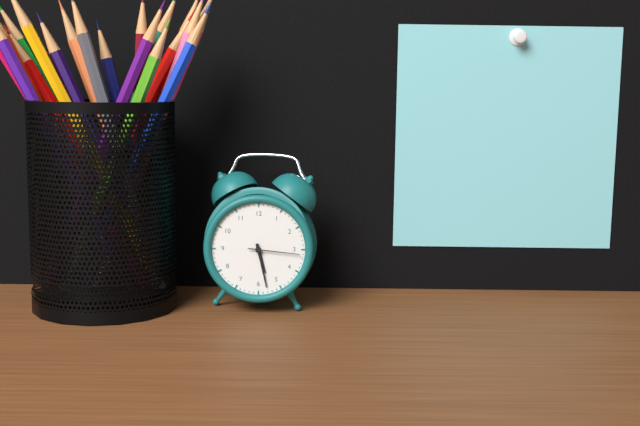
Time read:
h=5 m=28 s=16
